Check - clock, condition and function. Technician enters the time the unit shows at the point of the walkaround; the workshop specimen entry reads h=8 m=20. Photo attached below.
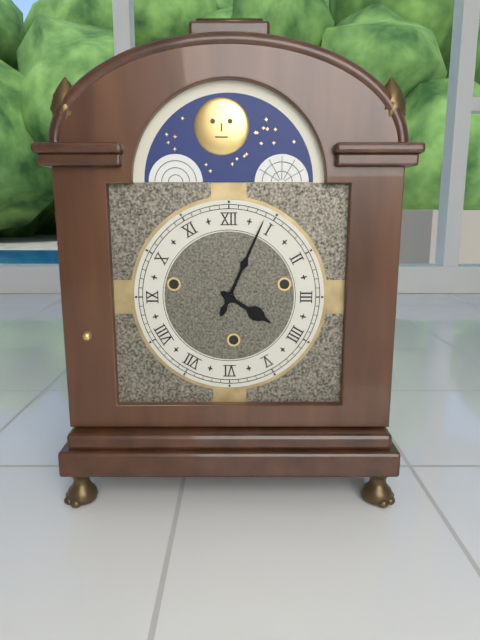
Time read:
h=4 m=4
